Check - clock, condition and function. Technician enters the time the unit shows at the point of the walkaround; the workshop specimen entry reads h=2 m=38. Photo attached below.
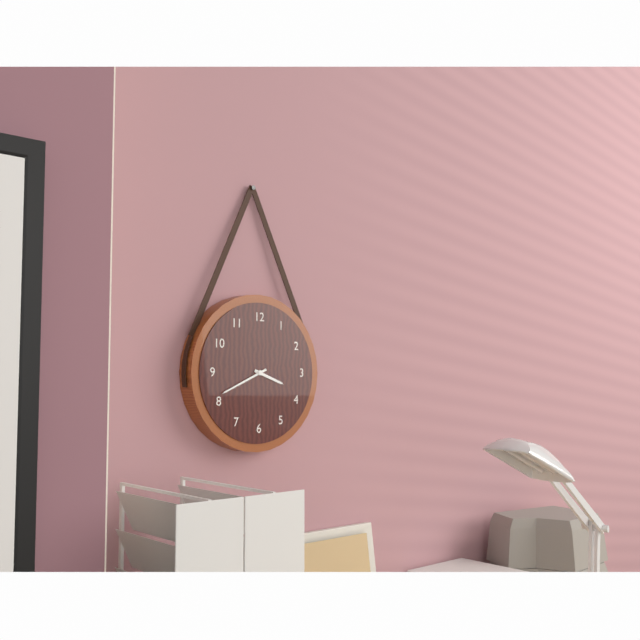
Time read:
h=3 m=41
